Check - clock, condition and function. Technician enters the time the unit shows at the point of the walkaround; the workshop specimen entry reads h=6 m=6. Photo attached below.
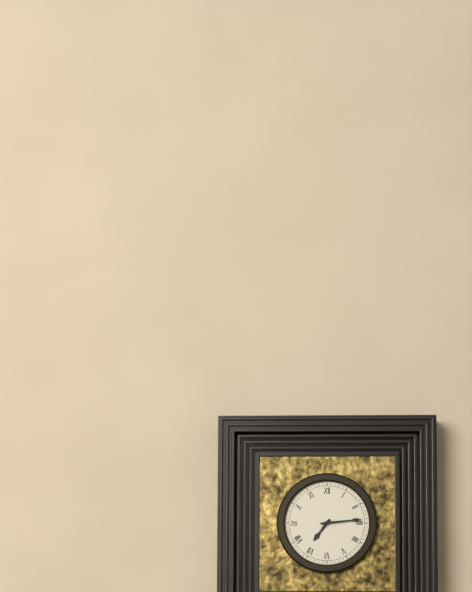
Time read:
h=7 m=14
